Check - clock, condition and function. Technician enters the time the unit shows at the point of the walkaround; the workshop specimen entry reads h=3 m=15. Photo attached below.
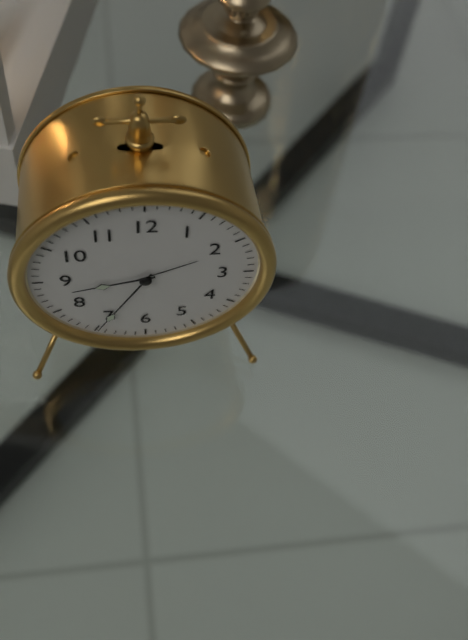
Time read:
h=8 m=35
